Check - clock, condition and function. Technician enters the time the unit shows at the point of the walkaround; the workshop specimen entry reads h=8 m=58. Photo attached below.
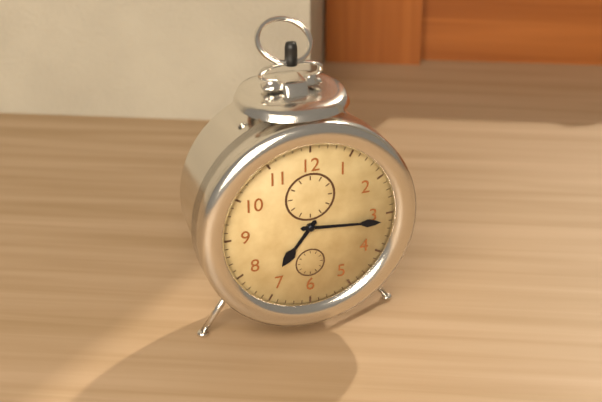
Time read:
h=7 m=16
